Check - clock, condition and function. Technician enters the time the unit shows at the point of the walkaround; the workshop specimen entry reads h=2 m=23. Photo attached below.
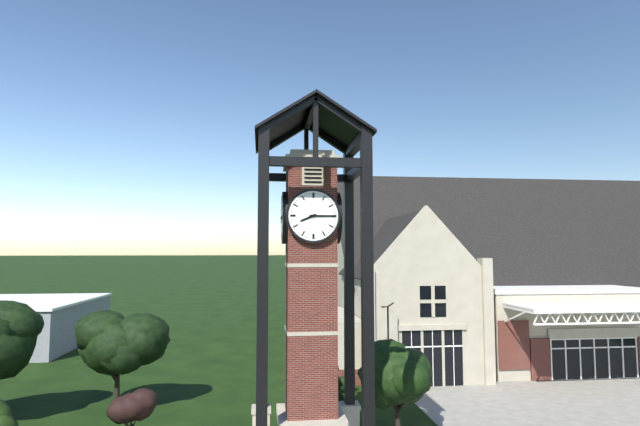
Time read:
h=8 m=15
